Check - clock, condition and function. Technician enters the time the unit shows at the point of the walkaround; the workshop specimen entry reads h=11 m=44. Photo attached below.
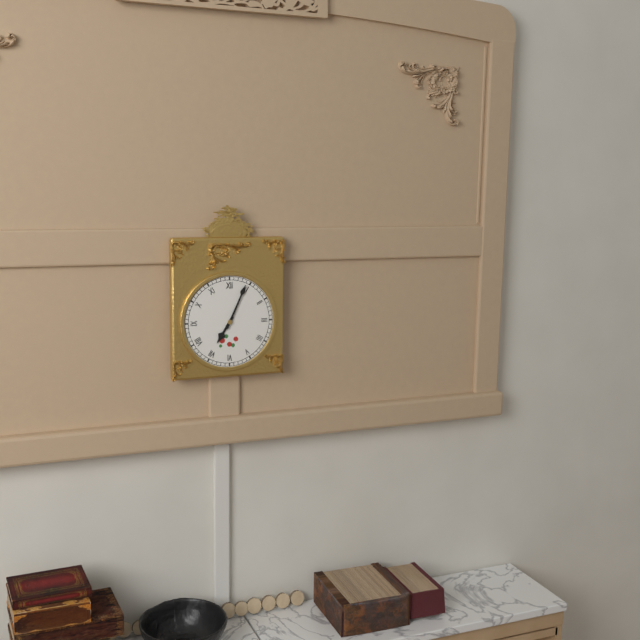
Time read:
h=7 m=4
